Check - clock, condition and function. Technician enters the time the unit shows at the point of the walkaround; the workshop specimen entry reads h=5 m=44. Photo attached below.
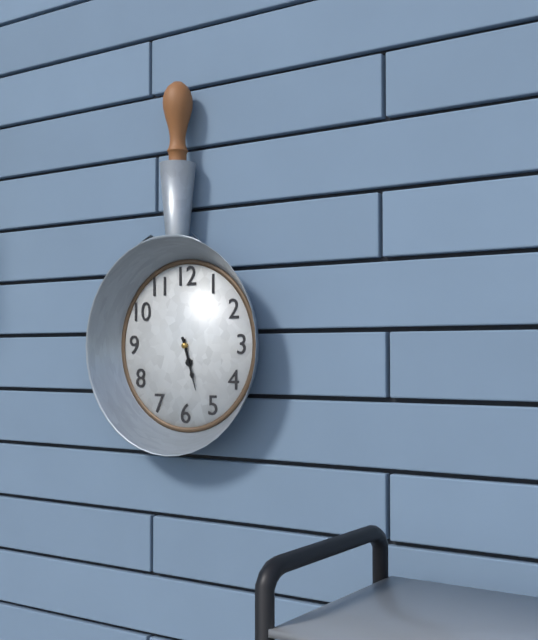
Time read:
h=5 m=27
